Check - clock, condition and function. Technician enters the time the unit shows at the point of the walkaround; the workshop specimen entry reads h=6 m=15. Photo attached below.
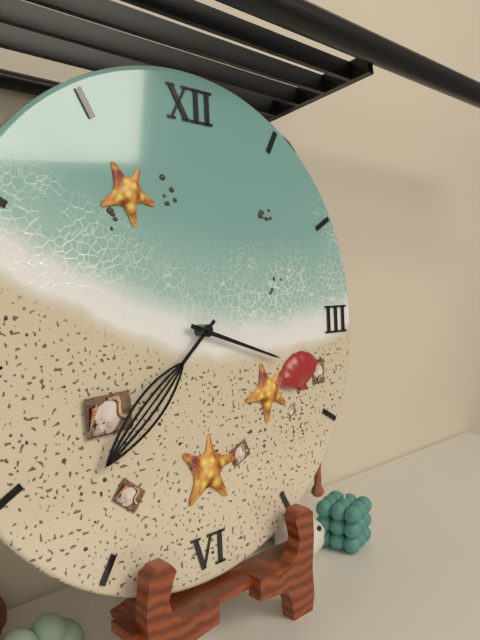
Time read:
h=3 m=38
